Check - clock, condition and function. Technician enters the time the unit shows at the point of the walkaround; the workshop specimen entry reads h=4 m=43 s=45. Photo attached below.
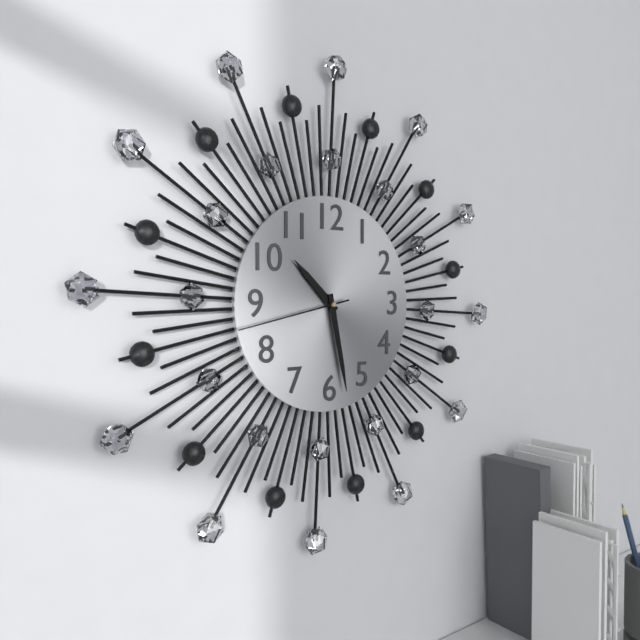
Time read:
h=10 m=28 s=43
